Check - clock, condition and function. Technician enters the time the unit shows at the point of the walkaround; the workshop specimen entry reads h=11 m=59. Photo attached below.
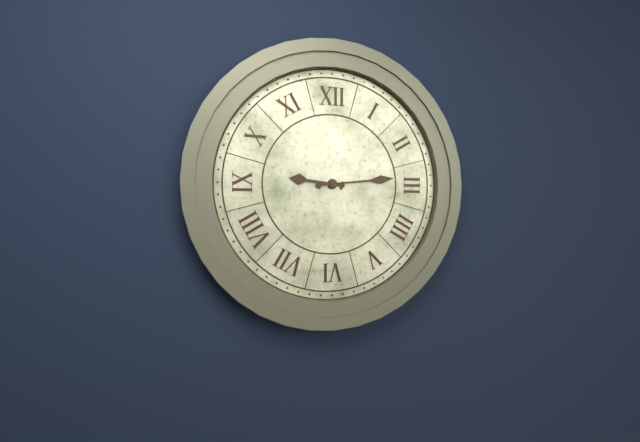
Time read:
h=9 m=14
